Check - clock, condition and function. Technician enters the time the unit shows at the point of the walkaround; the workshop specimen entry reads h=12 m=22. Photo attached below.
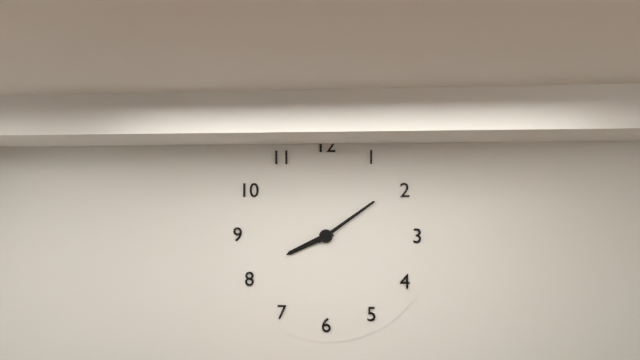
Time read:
h=8 m=9
